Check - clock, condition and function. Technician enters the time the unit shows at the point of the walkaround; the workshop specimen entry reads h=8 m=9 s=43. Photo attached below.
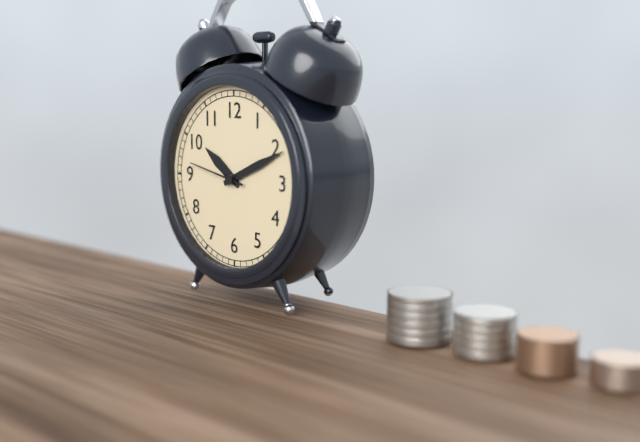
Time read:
h=10 m=11 s=47
